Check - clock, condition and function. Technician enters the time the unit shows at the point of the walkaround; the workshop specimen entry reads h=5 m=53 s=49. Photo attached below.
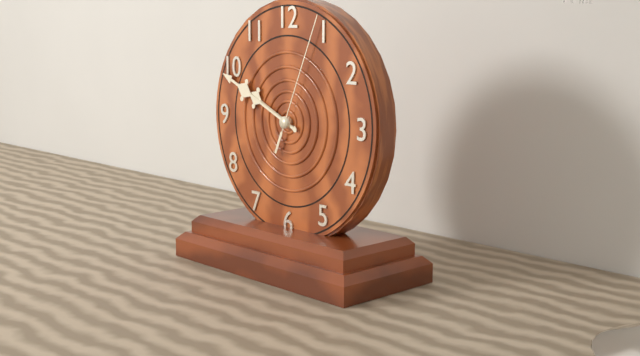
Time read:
h=9 m=49 s=4
